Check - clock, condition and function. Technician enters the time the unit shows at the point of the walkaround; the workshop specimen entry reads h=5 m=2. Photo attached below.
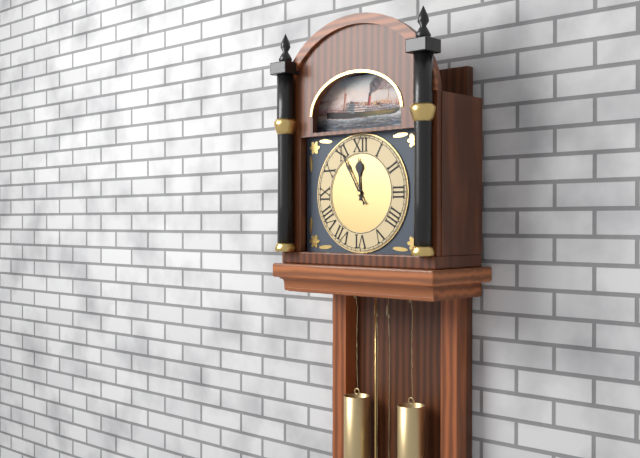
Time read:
h=11 m=55
